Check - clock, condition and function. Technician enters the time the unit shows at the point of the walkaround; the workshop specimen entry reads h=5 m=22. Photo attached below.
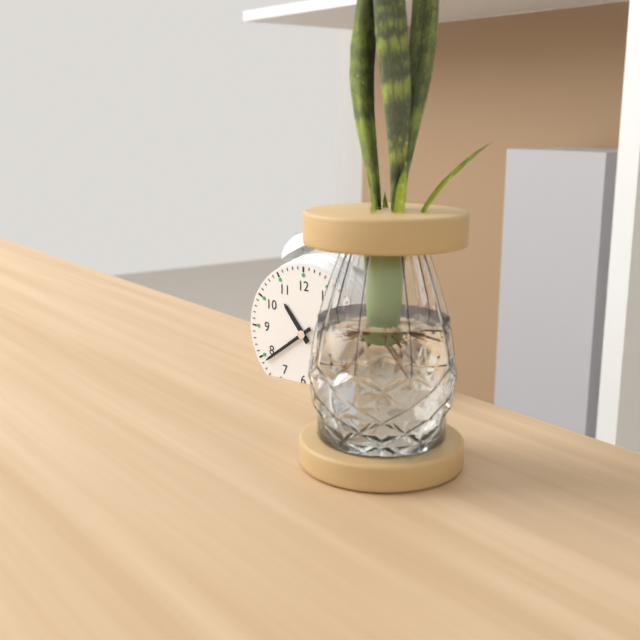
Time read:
h=10 m=39
